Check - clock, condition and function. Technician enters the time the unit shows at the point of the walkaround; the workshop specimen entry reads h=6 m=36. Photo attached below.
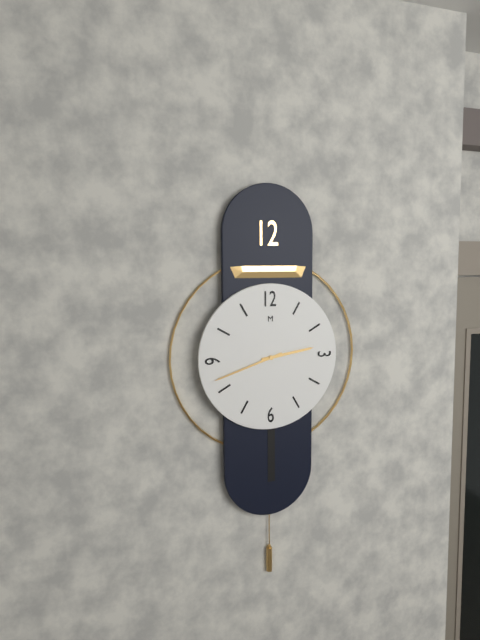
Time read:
h=2 m=42
